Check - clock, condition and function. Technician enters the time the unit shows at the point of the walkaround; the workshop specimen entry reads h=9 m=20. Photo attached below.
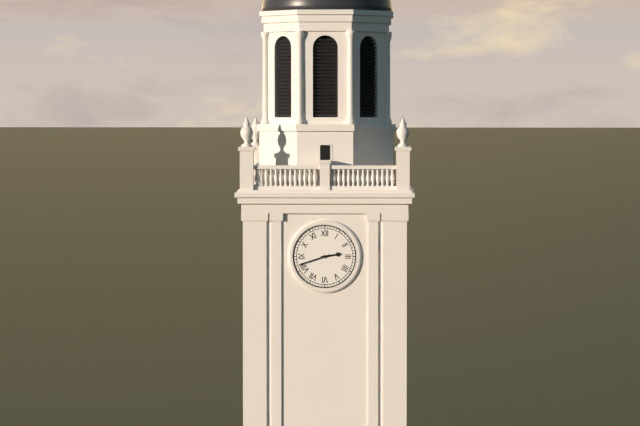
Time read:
h=2 m=42
